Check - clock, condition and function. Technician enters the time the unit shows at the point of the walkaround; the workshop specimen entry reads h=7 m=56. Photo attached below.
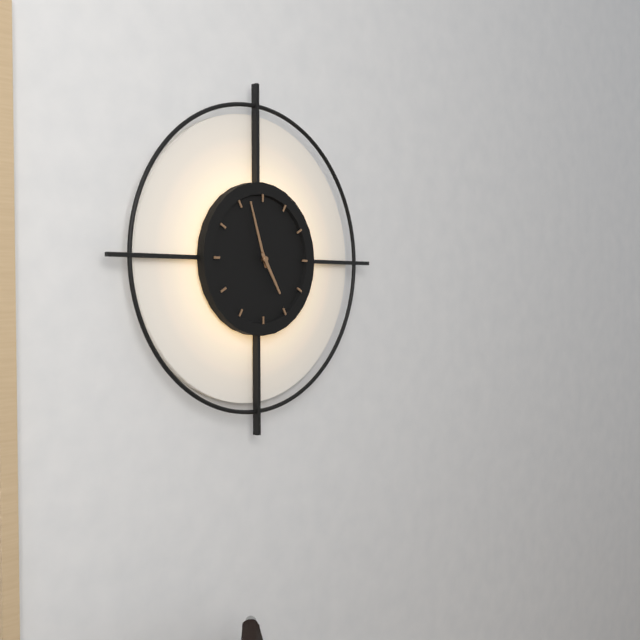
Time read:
h=4 m=57
